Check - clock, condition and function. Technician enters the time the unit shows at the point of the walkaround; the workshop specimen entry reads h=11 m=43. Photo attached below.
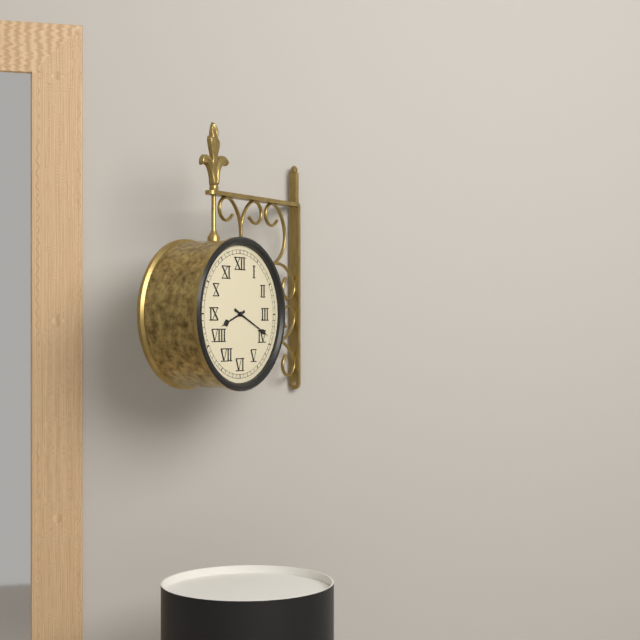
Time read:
h=8 m=19
